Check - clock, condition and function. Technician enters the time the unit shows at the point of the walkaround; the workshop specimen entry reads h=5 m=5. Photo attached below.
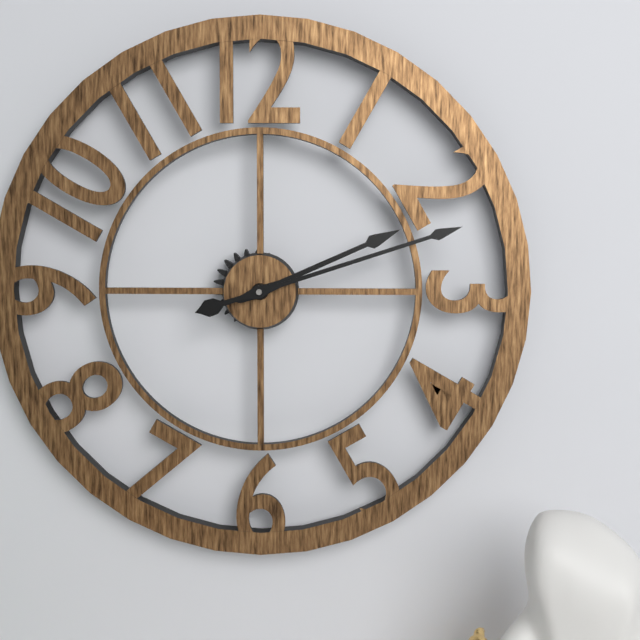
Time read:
h=2 m=12
